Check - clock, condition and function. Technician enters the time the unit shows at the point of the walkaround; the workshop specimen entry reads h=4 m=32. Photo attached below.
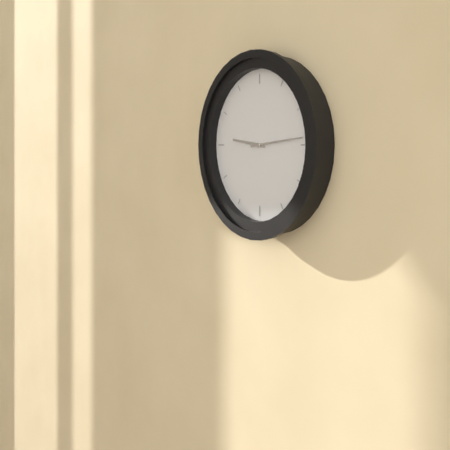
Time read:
h=9 m=14
